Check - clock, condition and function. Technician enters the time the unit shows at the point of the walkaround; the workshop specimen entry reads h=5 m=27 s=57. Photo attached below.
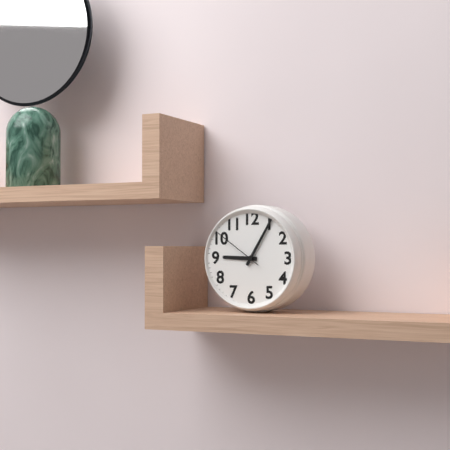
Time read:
h=9 m=5 s=51
